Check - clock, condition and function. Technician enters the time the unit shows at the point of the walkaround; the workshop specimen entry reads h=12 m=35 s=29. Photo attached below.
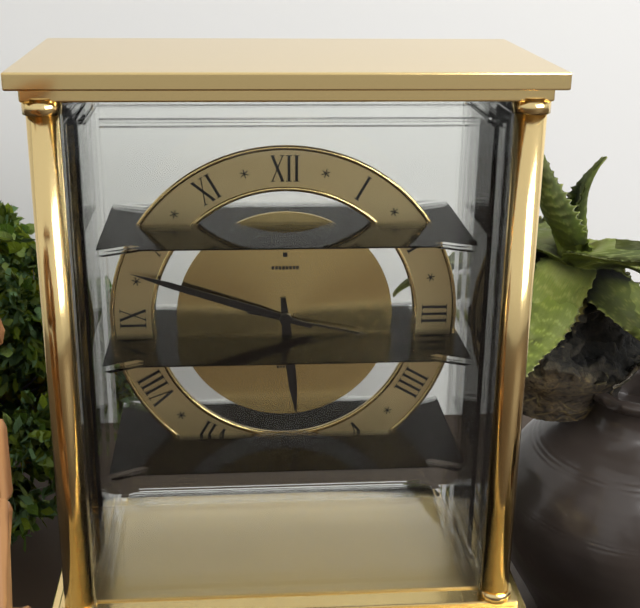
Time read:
h=5 m=48 s=17
